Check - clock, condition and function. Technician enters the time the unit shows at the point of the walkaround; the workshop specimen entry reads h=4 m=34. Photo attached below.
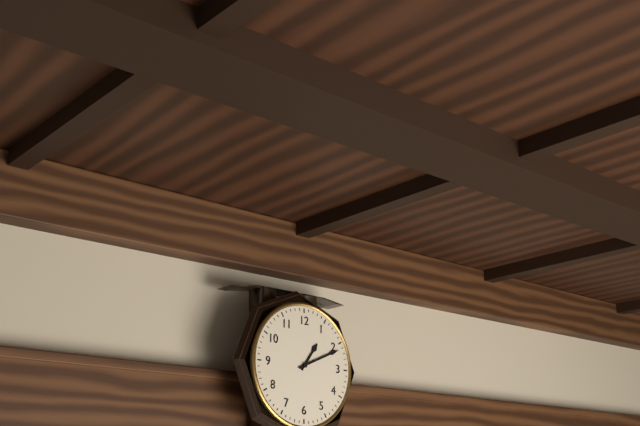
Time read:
h=1 m=11
